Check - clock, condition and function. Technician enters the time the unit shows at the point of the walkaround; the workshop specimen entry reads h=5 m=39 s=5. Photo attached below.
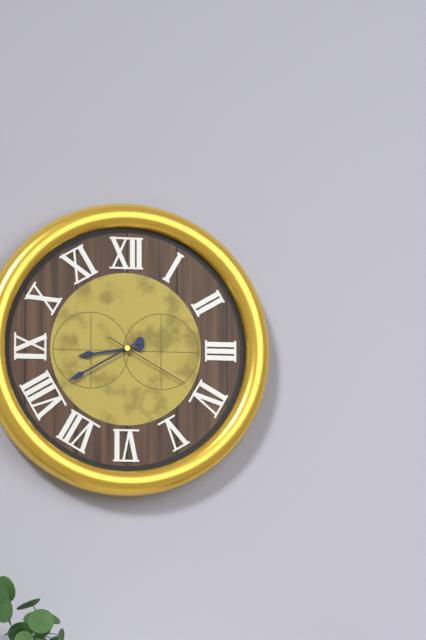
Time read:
h=8 m=40 s=20
